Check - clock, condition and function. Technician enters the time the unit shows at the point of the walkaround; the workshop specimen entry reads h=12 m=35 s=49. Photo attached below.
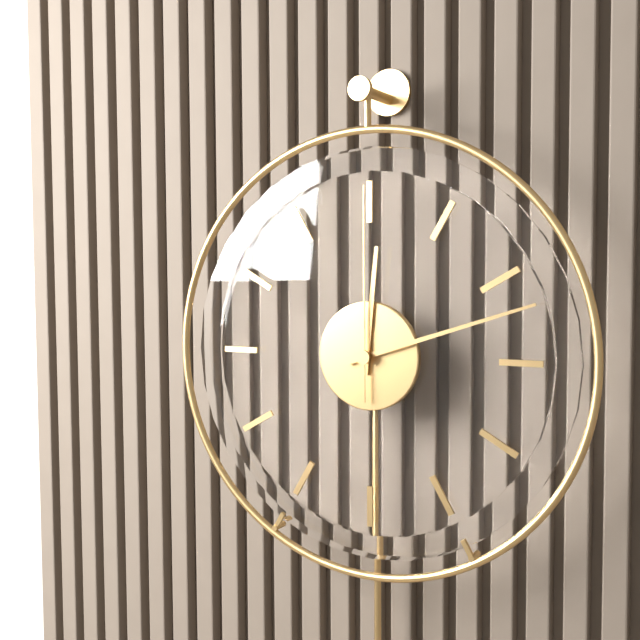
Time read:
h=12 m=12 s=0
